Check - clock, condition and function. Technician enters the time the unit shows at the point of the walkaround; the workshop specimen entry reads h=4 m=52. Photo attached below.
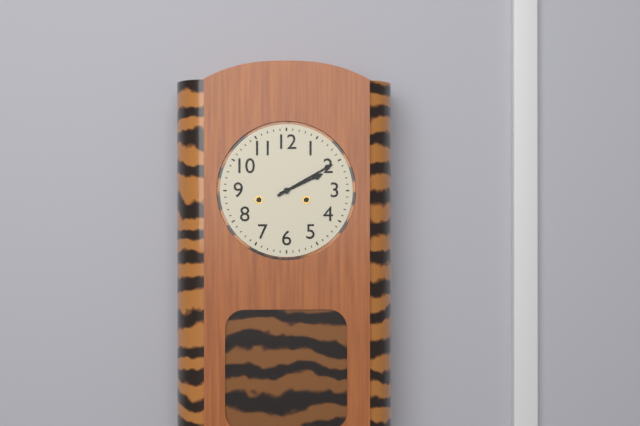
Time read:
h=2 m=10
